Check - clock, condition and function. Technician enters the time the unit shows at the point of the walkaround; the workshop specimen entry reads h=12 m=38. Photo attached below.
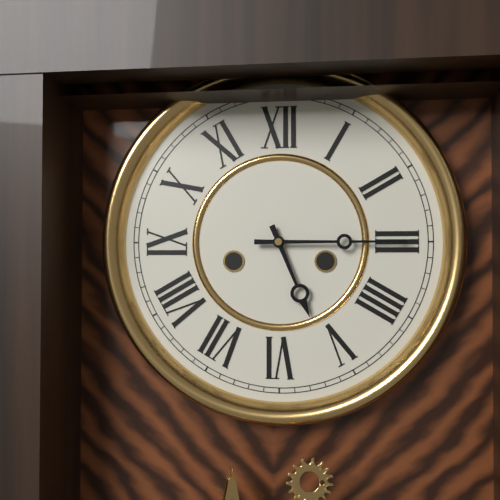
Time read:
h=5 m=15
